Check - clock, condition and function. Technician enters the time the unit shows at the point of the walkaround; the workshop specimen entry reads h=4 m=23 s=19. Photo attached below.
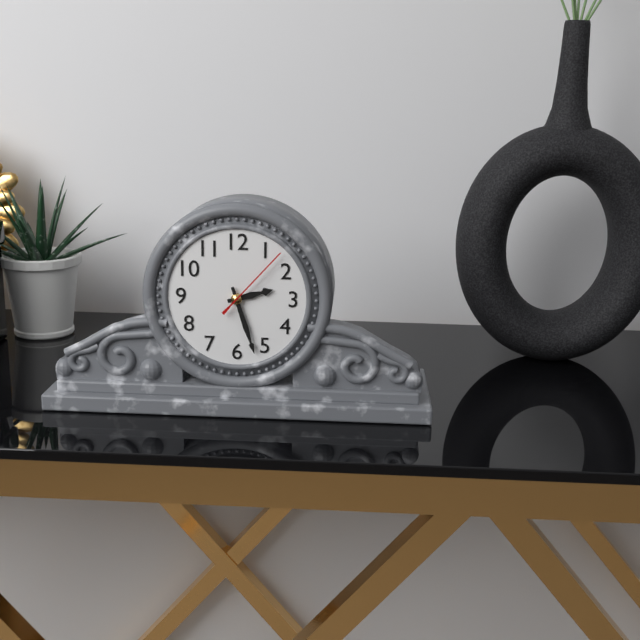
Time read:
h=2 m=27 s=7
